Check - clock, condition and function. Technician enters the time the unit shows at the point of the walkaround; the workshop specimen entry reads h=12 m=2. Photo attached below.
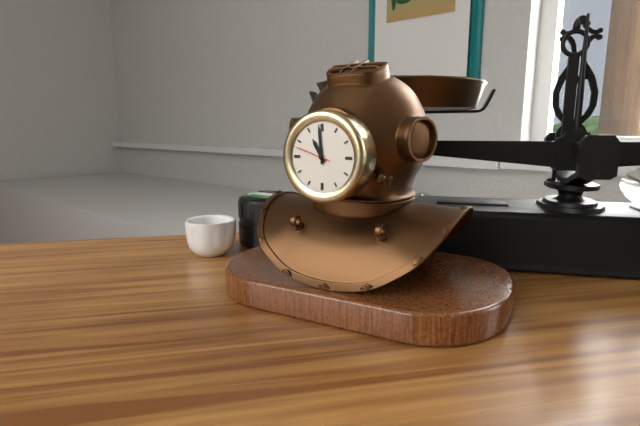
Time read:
h=10 m=59
